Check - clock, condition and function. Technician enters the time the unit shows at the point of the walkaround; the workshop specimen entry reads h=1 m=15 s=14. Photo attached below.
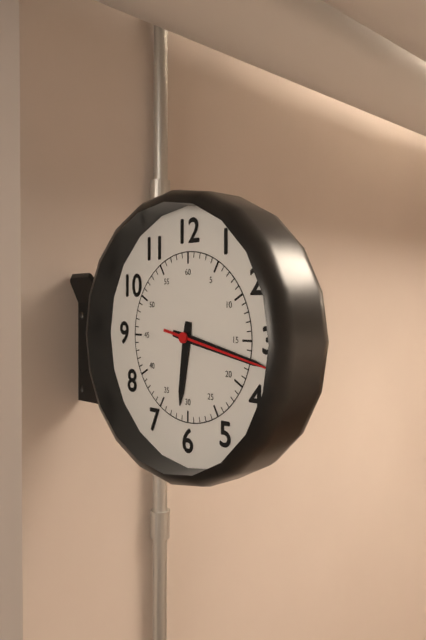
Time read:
h=6 m=17 s=17
